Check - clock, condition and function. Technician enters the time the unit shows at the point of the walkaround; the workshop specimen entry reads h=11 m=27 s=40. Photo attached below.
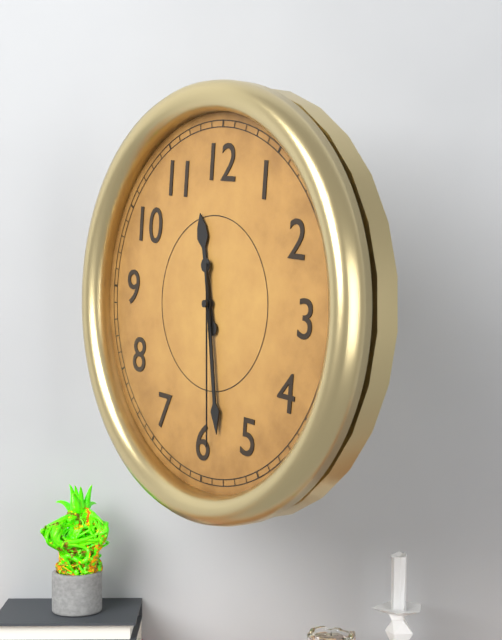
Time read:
h=11 m=28 s=29
